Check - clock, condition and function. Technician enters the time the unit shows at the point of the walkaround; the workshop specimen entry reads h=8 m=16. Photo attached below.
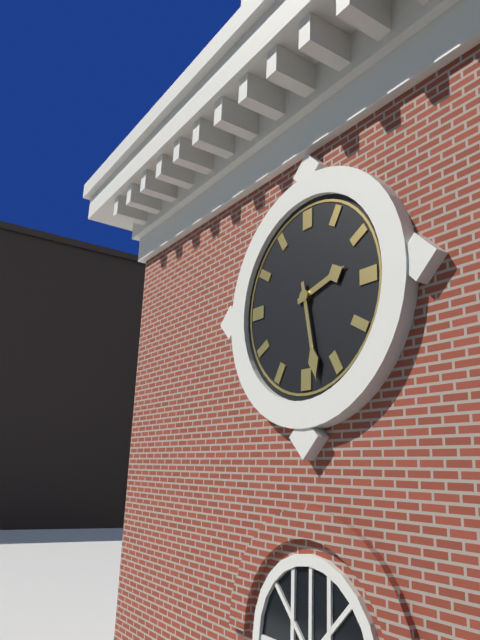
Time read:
h=2 m=28
